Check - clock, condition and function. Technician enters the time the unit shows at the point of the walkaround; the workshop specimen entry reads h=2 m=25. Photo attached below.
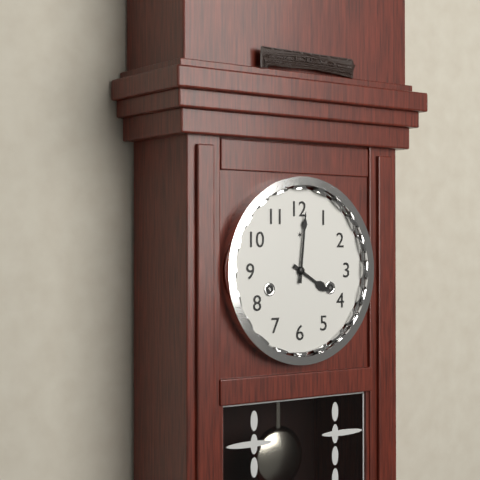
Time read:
h=4 m=1
